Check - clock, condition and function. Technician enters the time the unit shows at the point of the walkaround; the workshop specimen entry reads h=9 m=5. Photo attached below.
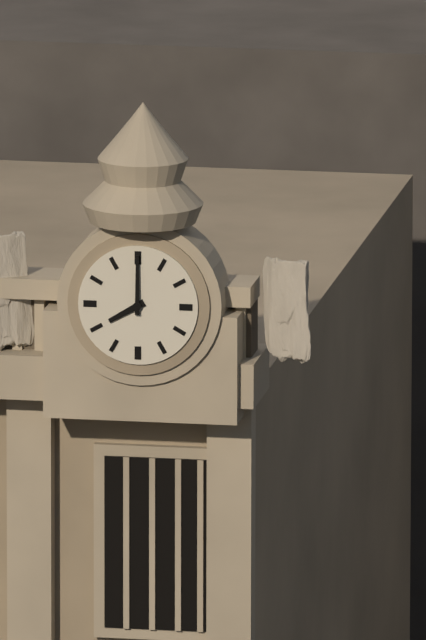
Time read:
h=8 m=0
